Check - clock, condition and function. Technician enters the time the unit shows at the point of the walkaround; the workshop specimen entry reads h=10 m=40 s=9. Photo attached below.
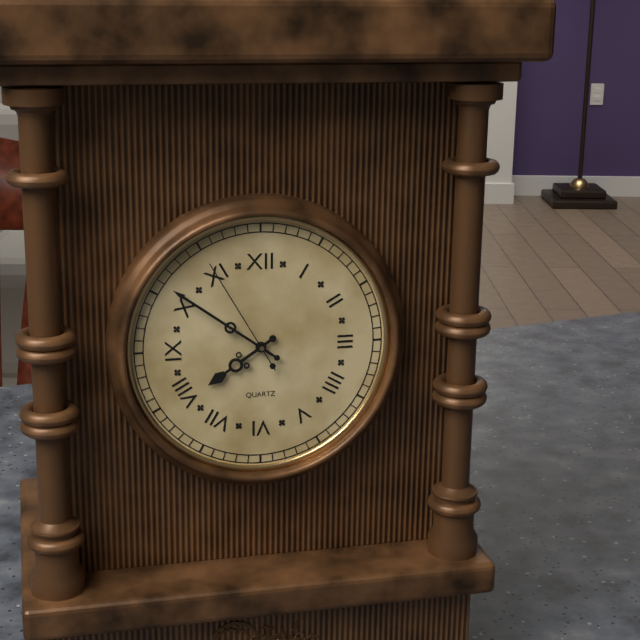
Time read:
h=7 m=51 s=55
